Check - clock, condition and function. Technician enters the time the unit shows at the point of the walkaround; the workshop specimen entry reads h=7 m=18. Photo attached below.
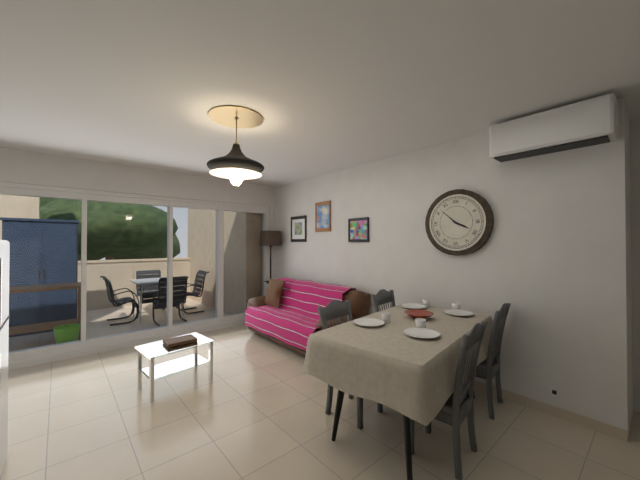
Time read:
h=3 m=52
